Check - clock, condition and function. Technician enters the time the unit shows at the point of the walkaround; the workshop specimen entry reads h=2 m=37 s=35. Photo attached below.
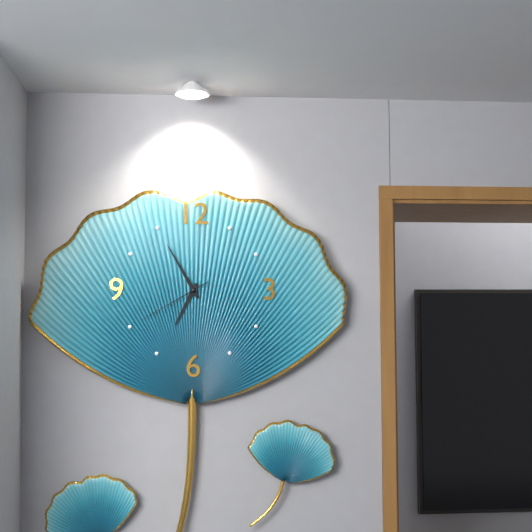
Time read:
h=6 m=55 s=40
